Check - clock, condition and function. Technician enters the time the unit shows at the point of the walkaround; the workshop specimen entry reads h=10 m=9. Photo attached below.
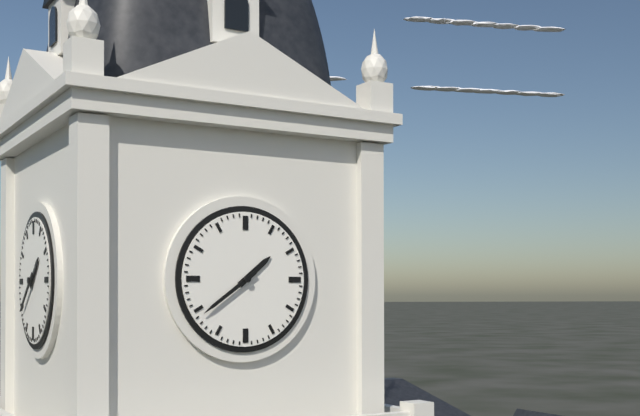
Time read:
h=1 m=39
